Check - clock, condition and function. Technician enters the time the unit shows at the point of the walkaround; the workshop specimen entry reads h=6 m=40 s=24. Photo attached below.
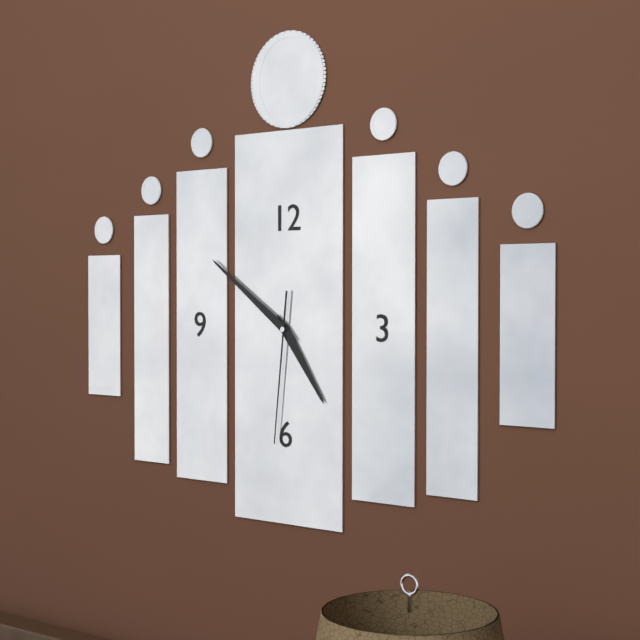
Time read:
h=4 m=51 s=31
